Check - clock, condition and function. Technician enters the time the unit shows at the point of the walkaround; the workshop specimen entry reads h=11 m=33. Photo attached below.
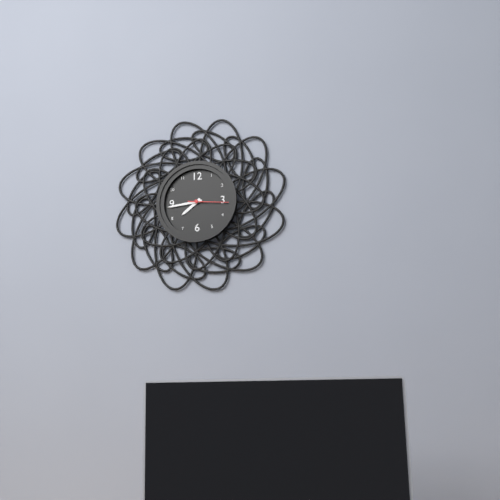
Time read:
h=7 m=44
